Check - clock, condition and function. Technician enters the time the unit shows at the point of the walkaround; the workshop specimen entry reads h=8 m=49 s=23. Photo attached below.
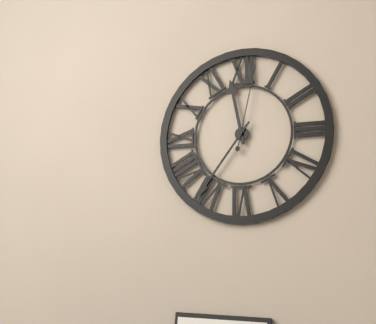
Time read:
h=11 m=36 s=2
